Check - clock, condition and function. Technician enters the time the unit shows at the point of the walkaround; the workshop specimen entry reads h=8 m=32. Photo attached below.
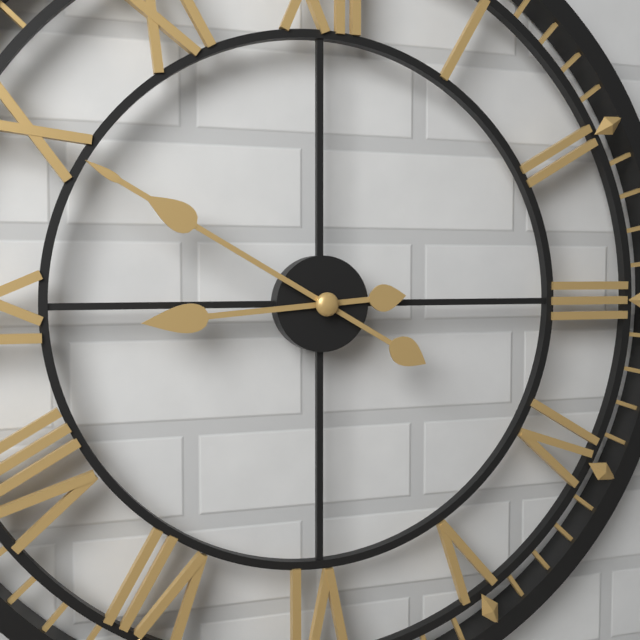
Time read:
h=8 m=50
